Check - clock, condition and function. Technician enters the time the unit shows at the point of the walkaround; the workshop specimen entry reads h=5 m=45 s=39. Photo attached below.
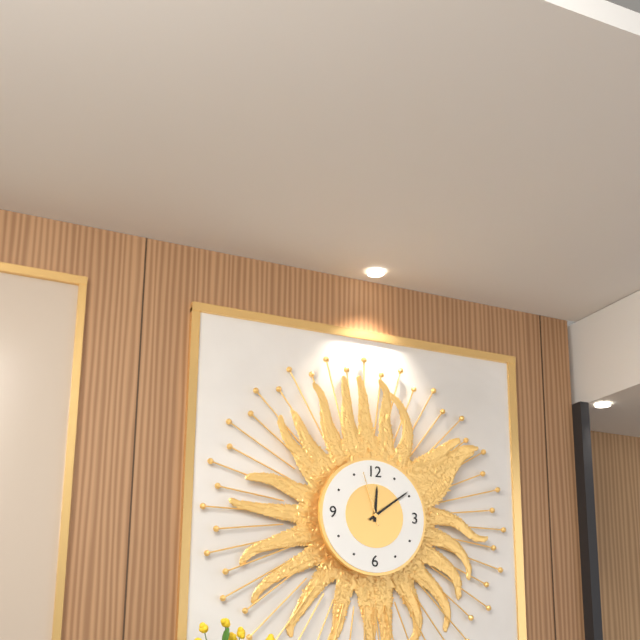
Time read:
h=12 m=9 s=57
